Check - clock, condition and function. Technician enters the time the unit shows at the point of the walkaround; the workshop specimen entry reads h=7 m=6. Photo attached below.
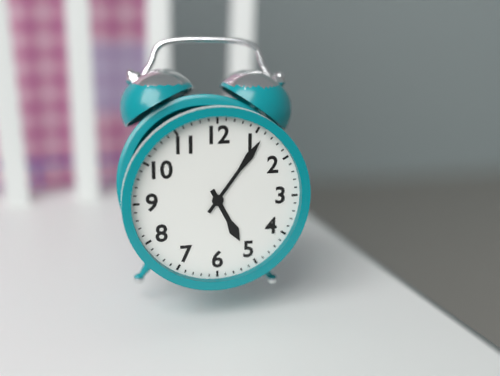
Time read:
h=5 m=6
